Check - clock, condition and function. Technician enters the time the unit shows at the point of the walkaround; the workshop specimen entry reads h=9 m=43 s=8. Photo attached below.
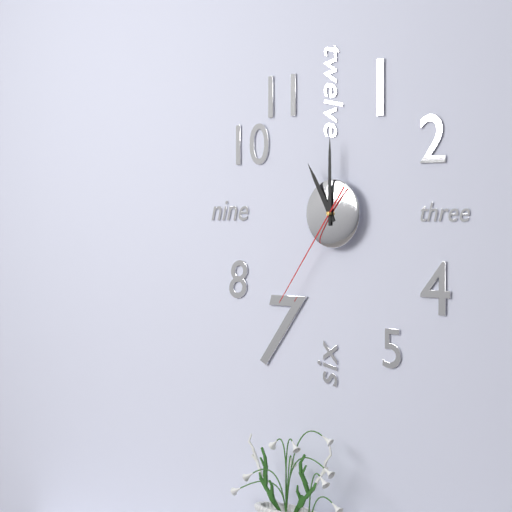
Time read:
h=11 m=0 s=36
